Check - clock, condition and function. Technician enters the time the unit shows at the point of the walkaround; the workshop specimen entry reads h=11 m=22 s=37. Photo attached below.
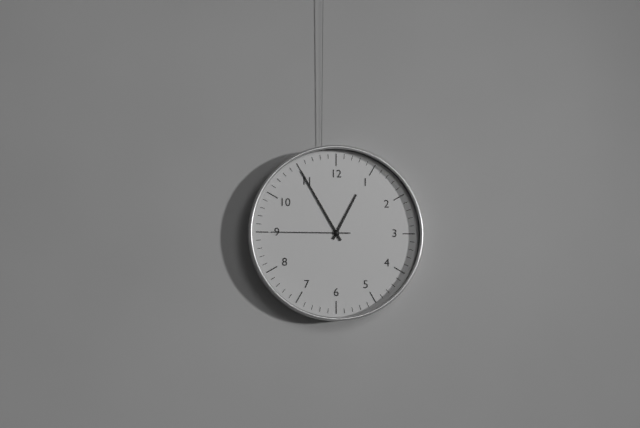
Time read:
h=12 m=55 s=45
